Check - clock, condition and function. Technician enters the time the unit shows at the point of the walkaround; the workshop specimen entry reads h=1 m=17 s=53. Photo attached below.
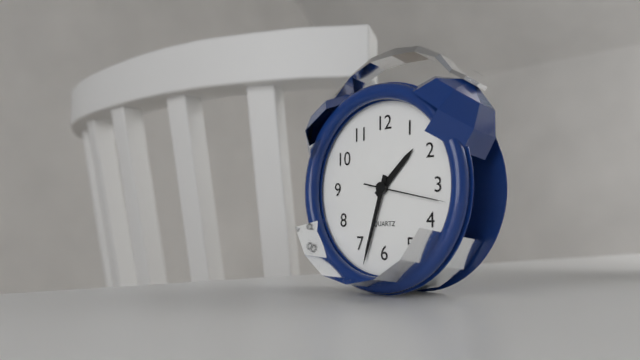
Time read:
h=1 m=33 s=17
